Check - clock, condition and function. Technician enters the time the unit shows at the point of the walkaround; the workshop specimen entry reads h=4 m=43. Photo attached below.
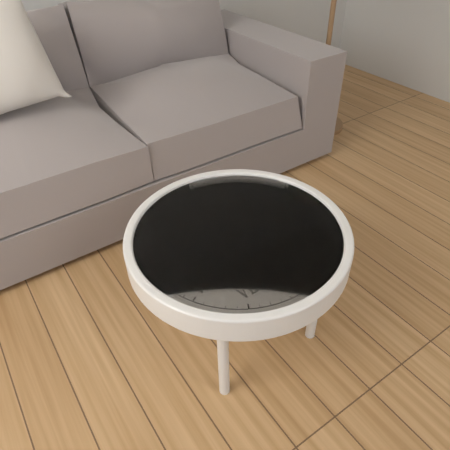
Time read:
h=3 m=42
